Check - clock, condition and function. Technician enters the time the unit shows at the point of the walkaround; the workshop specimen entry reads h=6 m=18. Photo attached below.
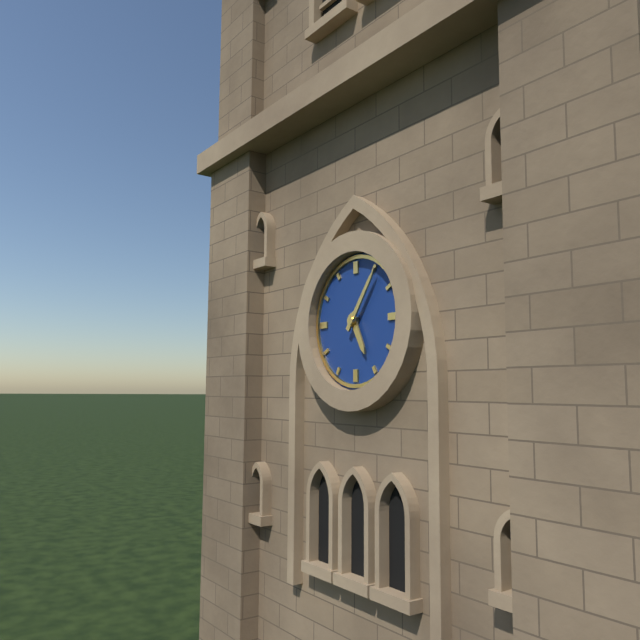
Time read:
h=5 m=6
